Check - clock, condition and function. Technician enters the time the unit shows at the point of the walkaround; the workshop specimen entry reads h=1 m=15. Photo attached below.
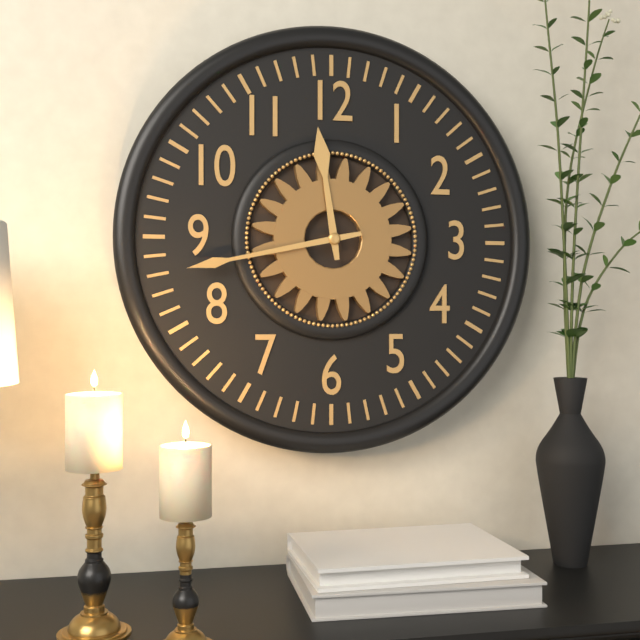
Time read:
h=11 m=43
